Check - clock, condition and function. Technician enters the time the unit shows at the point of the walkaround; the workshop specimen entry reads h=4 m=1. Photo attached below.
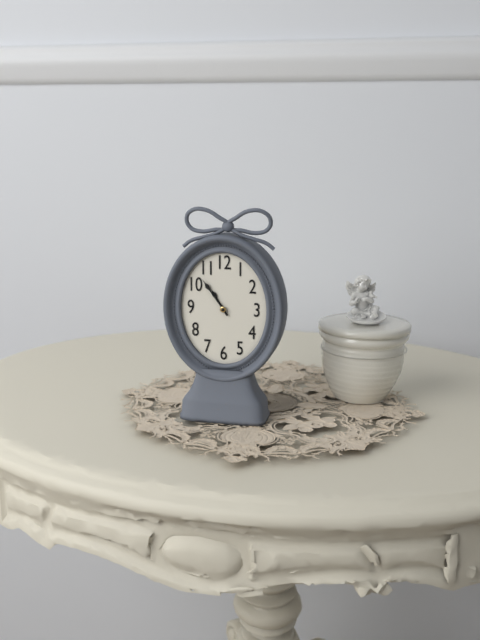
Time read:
h=10 m=54
